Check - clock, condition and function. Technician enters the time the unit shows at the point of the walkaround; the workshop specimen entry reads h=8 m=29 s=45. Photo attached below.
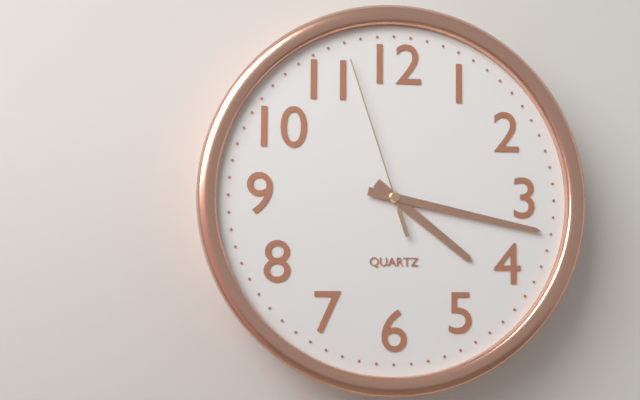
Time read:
h=4 m=17 s=57
